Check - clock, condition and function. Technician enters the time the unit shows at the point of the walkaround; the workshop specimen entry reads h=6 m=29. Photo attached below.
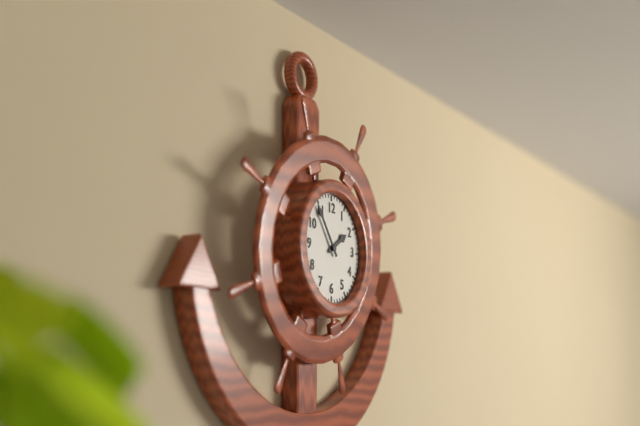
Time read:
h=1 m=54
